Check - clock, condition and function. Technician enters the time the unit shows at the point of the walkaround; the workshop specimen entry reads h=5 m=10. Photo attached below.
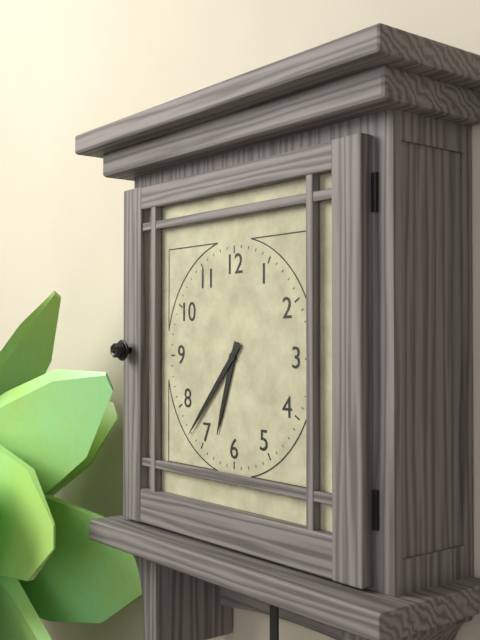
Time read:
h=6 m=37
